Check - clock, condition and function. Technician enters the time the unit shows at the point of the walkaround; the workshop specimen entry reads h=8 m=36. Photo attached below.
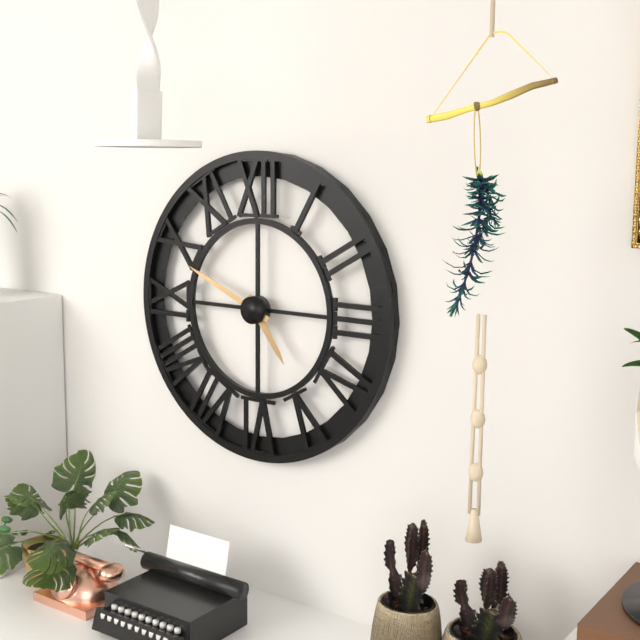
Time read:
h=4 m=49
